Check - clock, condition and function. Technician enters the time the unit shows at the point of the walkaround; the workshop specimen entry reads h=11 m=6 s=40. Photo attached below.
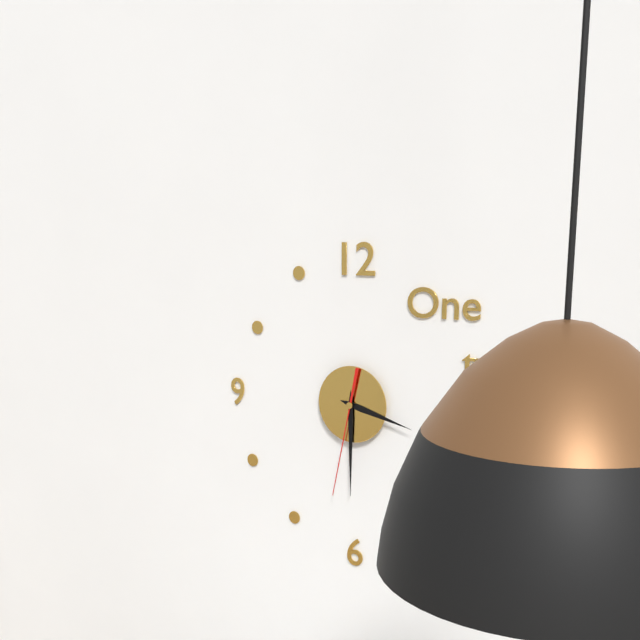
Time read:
h=3 m=30 s=32
